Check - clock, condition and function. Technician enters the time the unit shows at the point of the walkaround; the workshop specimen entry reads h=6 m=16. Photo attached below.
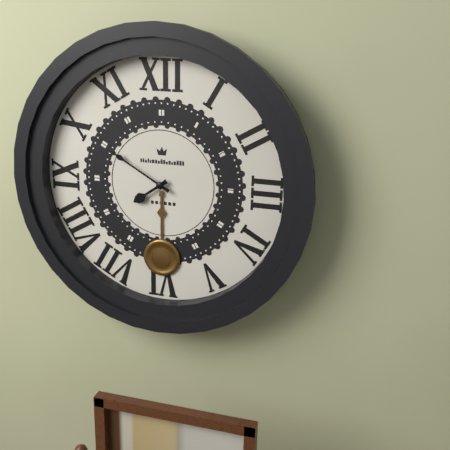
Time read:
h=7 m=50
